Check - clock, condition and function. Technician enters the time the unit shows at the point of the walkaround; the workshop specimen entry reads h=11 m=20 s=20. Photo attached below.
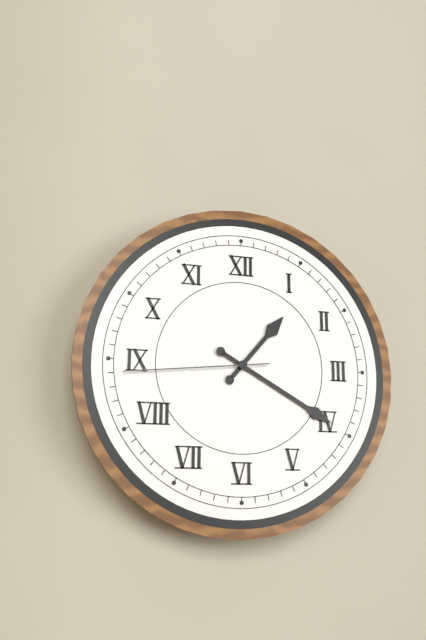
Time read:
h=1 m=20 s=44
